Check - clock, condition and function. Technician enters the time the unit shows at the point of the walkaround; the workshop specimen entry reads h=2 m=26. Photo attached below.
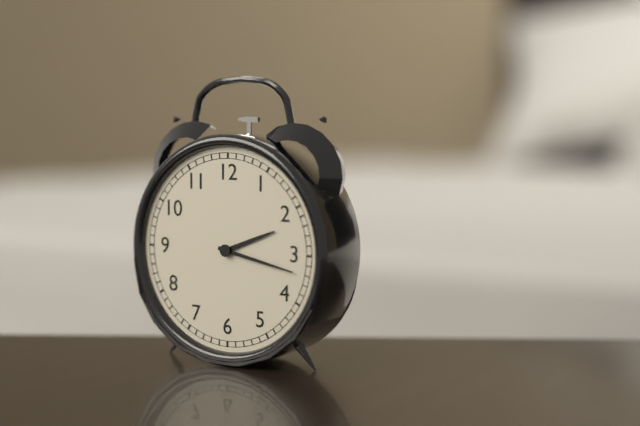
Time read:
h=2 m=17
